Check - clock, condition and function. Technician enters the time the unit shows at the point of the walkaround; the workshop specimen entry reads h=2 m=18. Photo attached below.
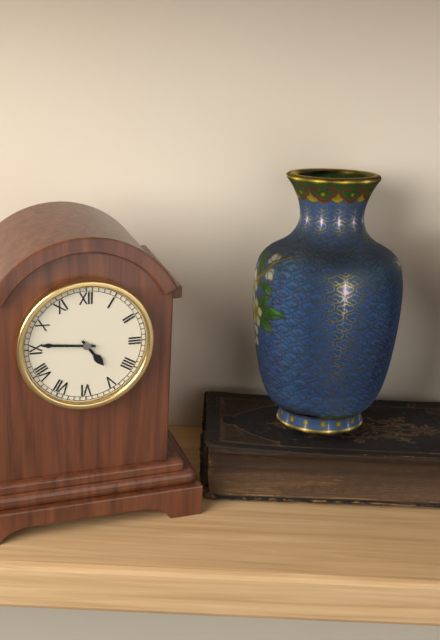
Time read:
h=4 m=46
